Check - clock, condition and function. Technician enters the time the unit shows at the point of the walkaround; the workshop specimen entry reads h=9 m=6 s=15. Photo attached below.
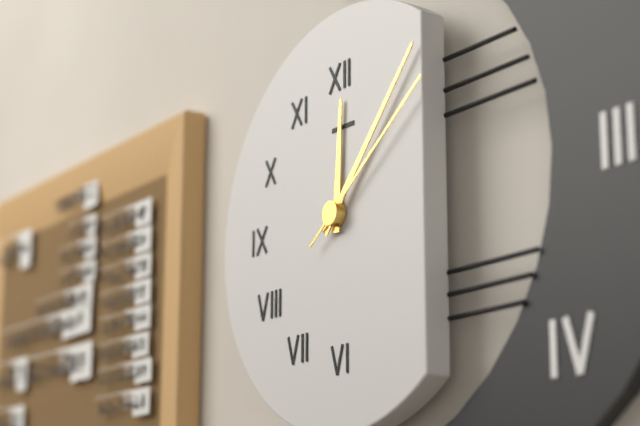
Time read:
h=12 m=7 s=9
